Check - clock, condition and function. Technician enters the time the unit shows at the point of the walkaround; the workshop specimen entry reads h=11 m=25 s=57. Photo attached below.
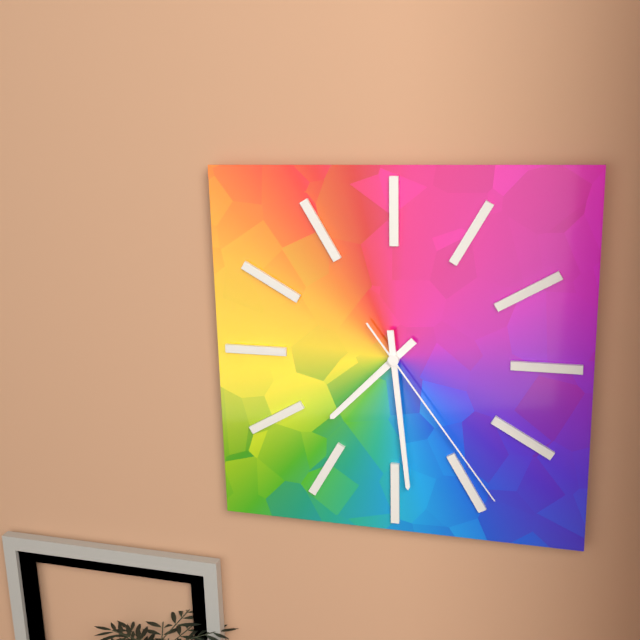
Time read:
h=7 m=29 s=24
